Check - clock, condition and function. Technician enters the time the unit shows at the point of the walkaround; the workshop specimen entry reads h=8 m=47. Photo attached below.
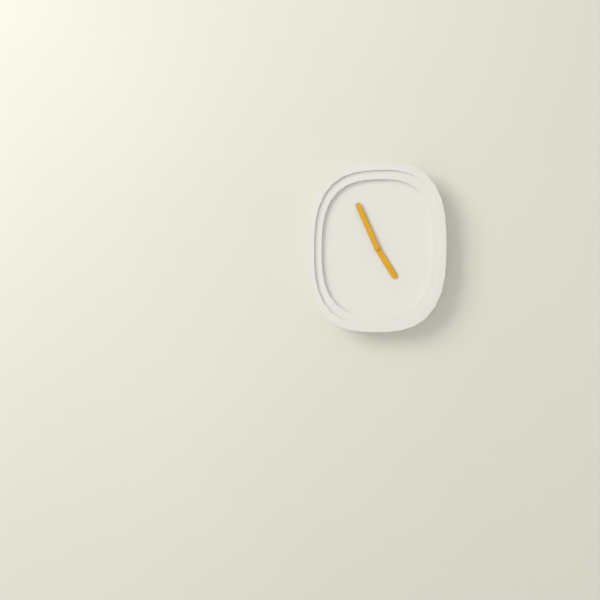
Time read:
h=4 m=56
